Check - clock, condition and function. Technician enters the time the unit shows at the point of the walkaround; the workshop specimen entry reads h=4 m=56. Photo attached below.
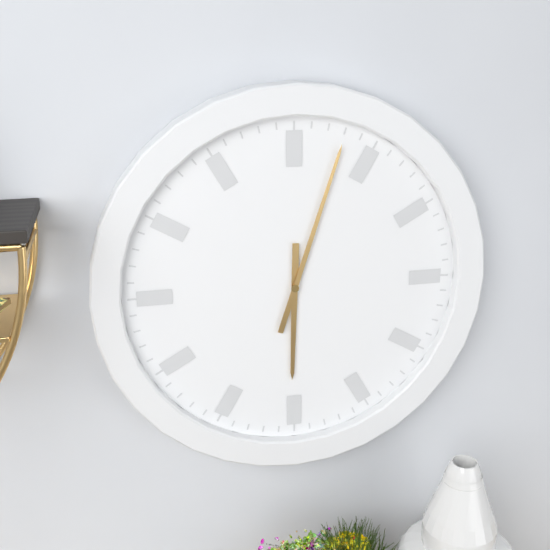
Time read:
h=6 m=3
